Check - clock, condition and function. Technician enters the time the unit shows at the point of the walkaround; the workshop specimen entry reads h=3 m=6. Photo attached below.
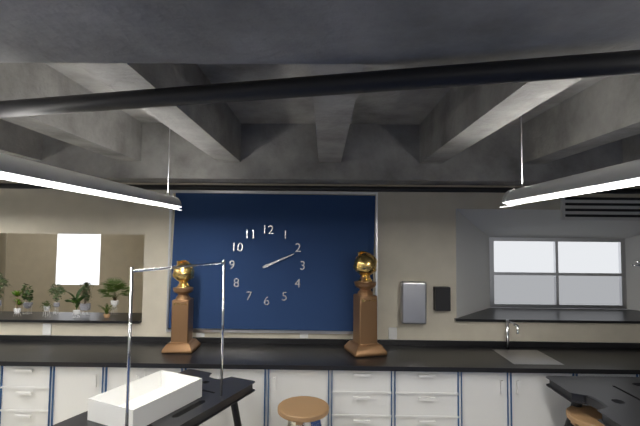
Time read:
h=2 m=11
